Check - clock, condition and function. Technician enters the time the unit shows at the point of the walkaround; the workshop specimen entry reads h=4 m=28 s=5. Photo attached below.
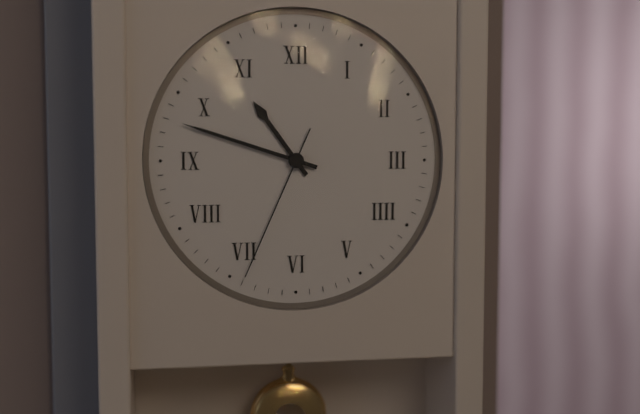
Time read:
h=10 m=48 s=34
